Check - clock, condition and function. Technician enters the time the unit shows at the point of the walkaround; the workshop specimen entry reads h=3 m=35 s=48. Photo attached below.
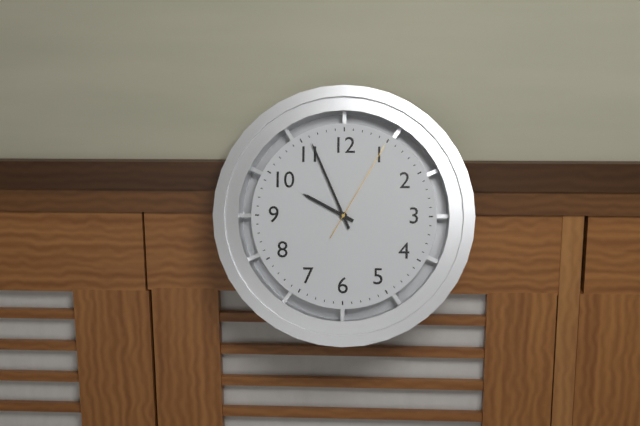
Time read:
h=9 m=56 s=5
